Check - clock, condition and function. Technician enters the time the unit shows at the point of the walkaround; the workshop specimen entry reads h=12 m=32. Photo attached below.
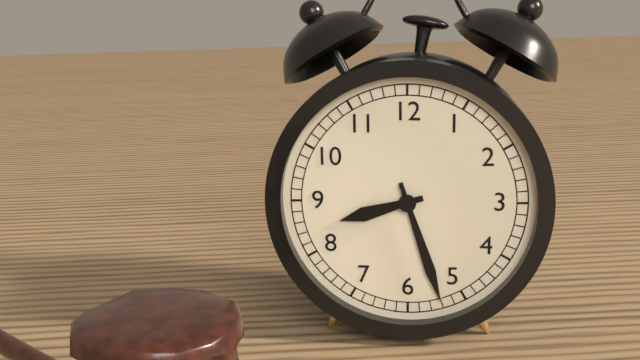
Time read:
h=8 m=27
